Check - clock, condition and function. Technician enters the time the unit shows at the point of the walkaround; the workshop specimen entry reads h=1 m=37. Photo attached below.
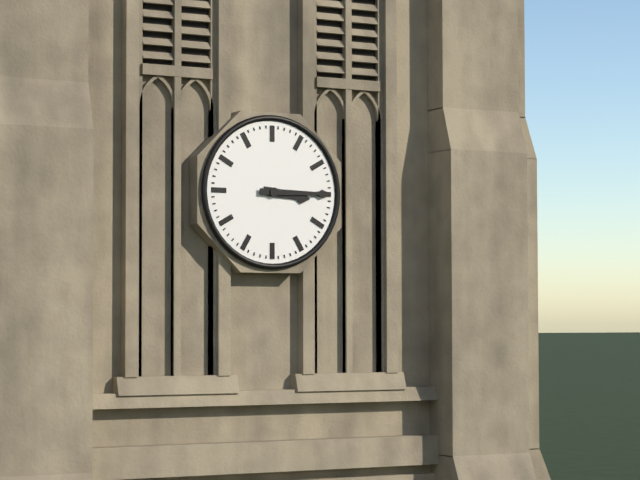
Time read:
h=3 m=15
